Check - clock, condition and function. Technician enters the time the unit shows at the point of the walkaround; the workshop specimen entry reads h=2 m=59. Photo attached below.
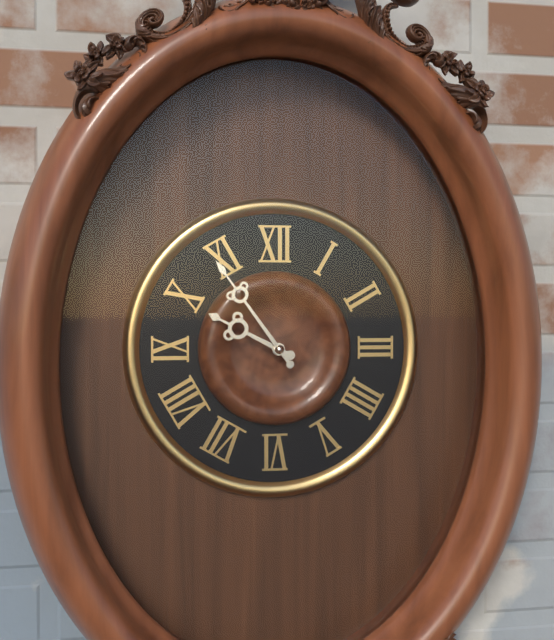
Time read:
h=9 m=54
